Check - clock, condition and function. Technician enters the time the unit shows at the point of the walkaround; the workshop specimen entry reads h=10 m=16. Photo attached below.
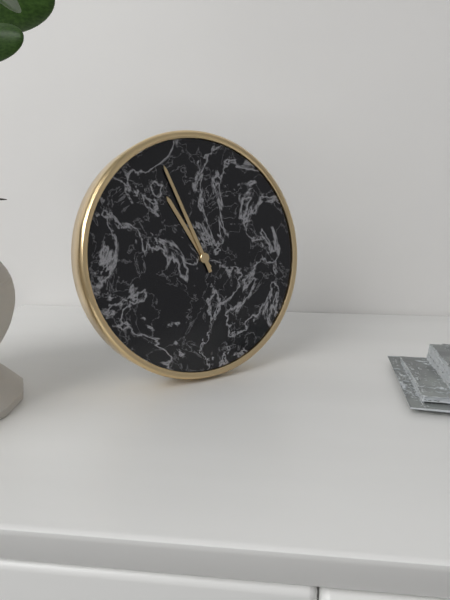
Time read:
h=10 m=56
